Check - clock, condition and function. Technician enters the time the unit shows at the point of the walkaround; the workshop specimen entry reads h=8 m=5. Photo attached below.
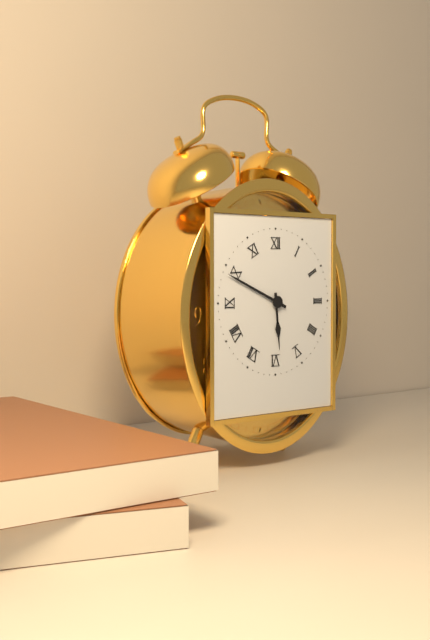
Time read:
h=5 m=49
